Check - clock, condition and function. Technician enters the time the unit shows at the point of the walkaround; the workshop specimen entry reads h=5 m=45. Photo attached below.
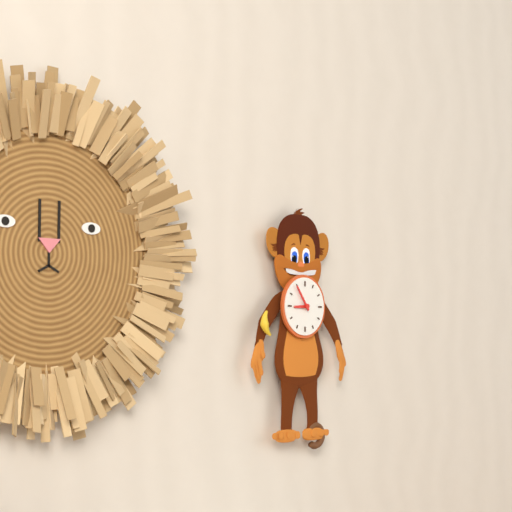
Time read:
h=8 m=54
